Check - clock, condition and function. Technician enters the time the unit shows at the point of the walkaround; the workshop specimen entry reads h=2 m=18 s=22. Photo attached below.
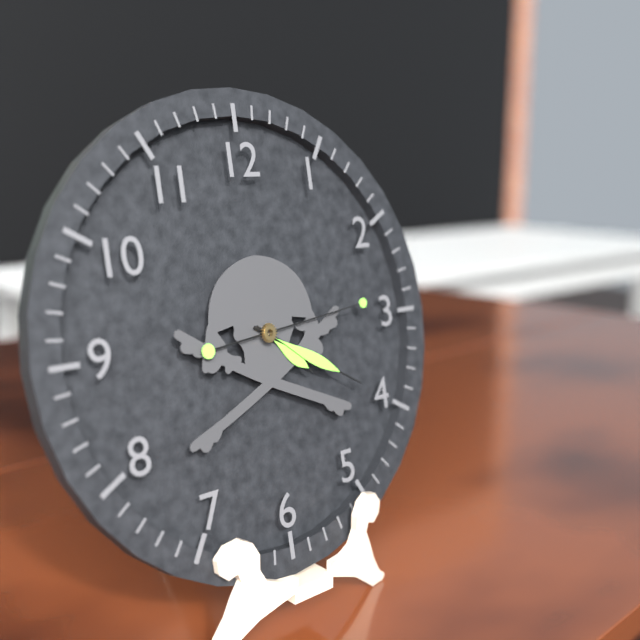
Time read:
h=4 m=20 s=14
